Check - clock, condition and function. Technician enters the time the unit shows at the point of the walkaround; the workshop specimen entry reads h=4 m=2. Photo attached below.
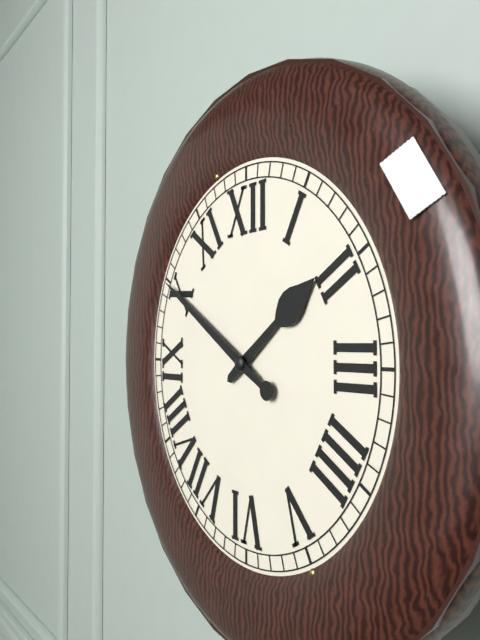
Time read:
h=1 m=50
